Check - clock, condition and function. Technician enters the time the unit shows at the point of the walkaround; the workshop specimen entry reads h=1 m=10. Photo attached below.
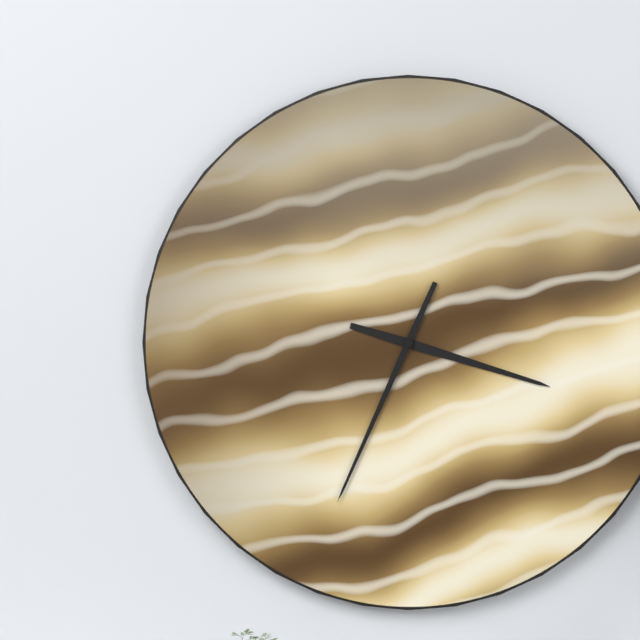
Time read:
h=3 m=34
